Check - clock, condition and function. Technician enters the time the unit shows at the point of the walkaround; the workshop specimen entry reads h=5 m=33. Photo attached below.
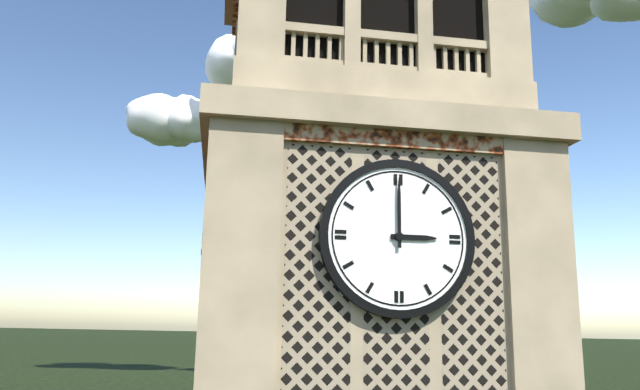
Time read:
h=3 m=0
